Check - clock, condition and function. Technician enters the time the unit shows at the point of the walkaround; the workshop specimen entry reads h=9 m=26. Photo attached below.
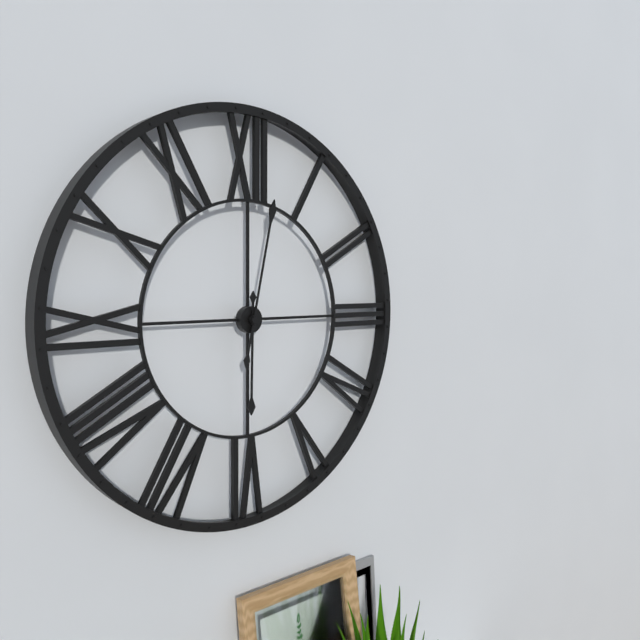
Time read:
h=6 m=2
